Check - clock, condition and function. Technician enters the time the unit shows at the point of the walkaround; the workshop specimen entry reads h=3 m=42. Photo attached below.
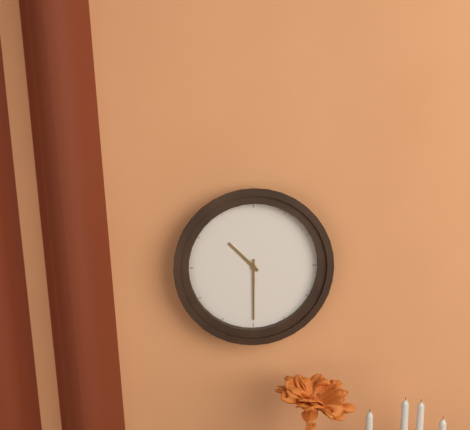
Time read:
h=10 m=30
